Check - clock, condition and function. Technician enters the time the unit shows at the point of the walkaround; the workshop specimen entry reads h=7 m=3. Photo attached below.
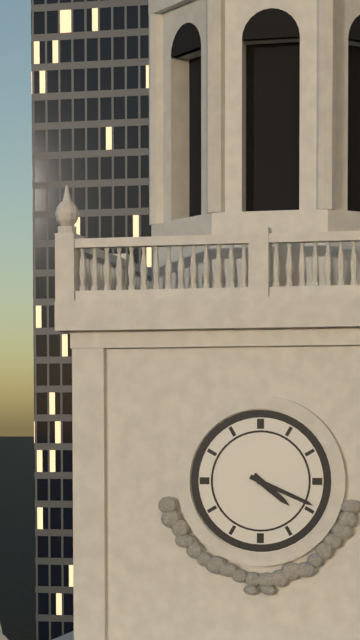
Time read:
h=4 m=19
